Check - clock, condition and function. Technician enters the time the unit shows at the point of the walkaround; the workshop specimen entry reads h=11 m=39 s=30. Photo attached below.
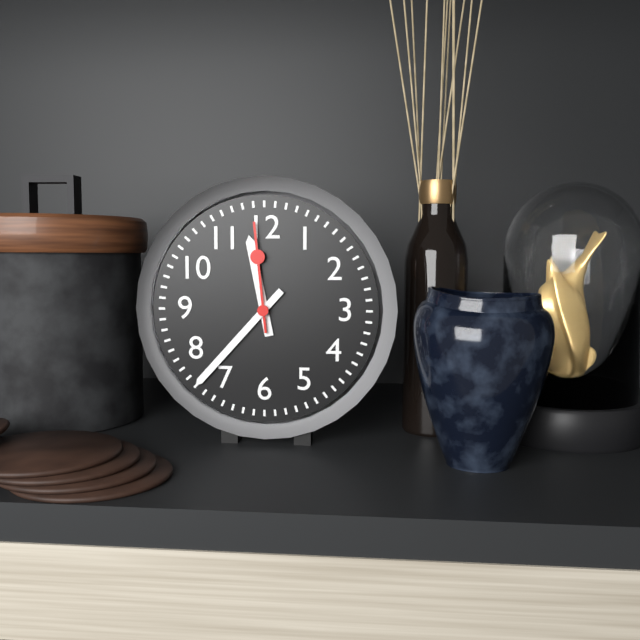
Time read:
h=11 m=37 s=59
